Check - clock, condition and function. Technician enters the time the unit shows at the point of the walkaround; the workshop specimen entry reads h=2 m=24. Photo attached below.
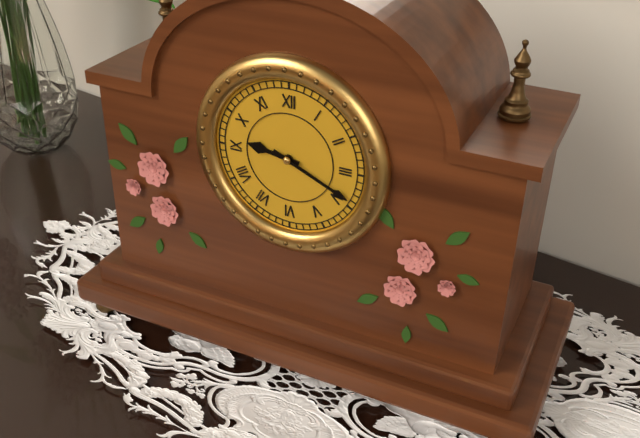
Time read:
h=9 m=19
